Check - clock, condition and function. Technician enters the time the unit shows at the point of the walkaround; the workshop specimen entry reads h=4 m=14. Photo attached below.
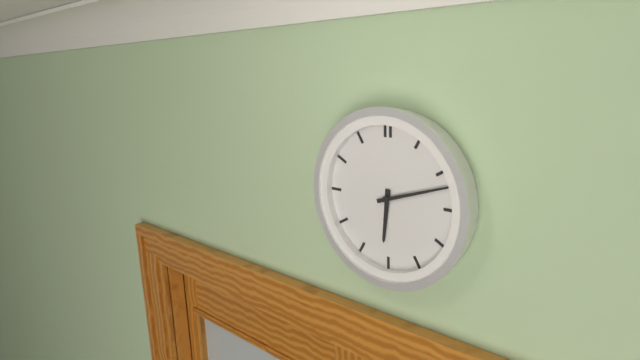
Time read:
h=6 m=12
